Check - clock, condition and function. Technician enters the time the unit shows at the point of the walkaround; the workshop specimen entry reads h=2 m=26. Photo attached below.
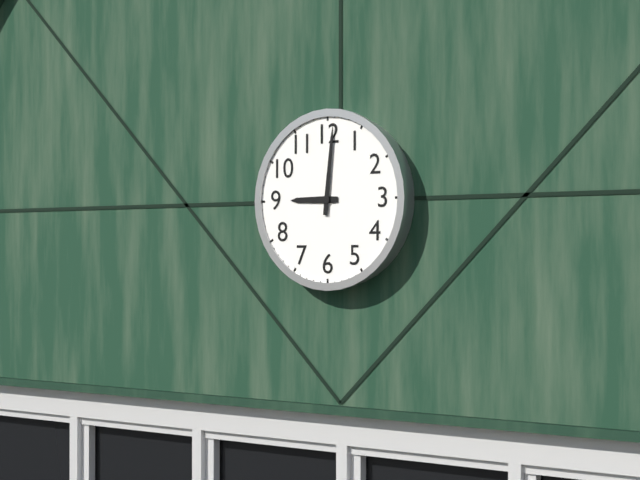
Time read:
h=9 m=1
